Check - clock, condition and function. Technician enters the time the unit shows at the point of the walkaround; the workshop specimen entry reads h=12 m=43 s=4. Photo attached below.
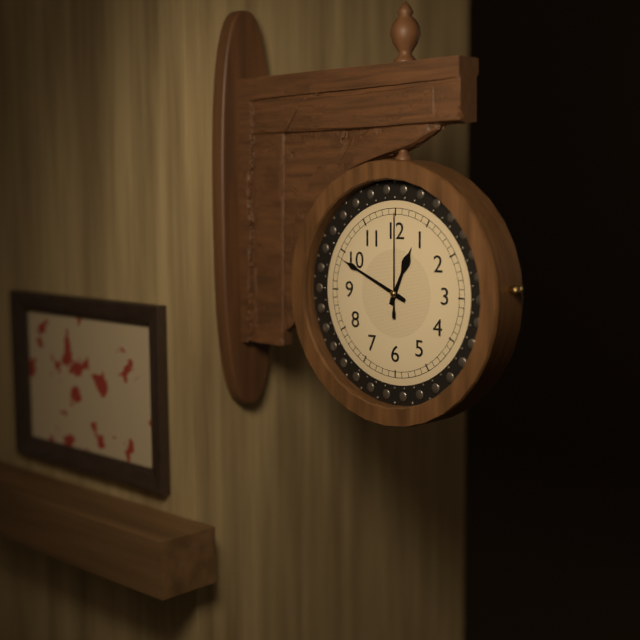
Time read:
h=12 m=49 s=0
